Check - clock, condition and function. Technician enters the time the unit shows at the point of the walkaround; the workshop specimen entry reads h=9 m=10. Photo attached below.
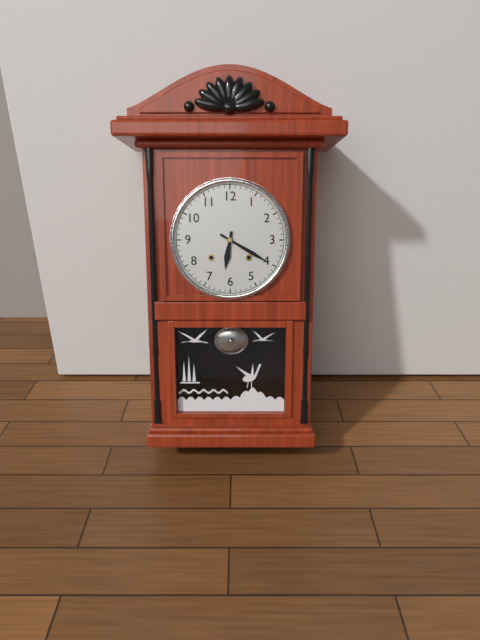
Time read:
h=6 m=20
